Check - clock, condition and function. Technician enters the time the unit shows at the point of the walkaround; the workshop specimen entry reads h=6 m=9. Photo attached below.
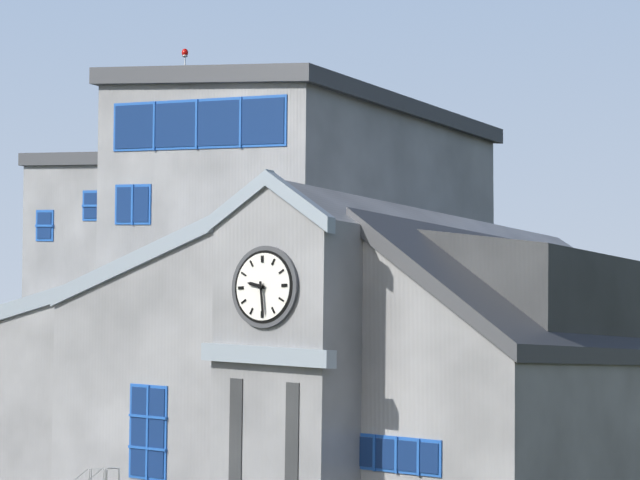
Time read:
h=9 m=29
